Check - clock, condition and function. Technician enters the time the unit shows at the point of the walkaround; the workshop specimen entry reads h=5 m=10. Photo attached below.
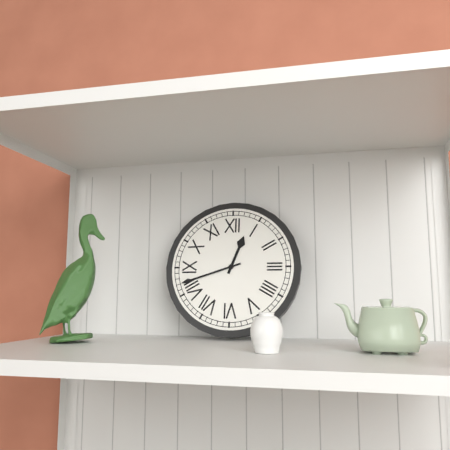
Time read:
h=12 m=42
